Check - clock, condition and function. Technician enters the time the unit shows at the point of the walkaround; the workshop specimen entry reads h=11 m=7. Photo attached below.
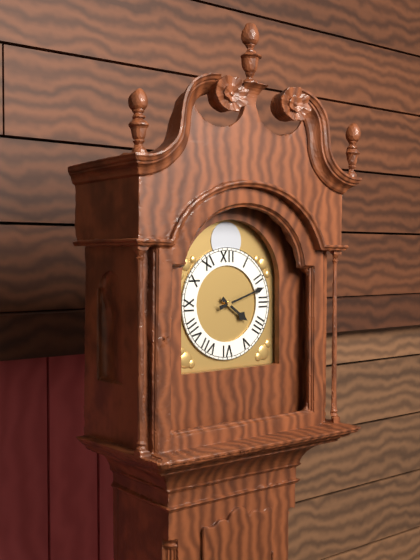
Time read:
h=4 m=12
